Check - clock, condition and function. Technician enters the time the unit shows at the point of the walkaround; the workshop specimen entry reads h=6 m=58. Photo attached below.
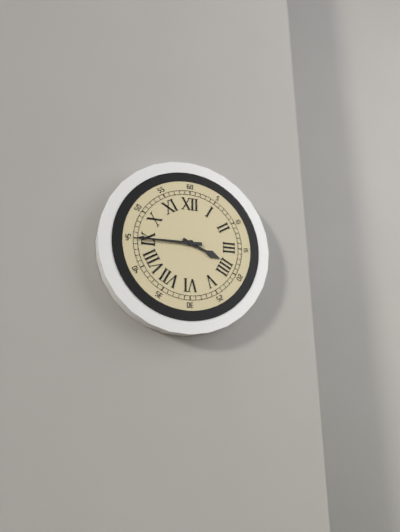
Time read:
h=3 m=45
